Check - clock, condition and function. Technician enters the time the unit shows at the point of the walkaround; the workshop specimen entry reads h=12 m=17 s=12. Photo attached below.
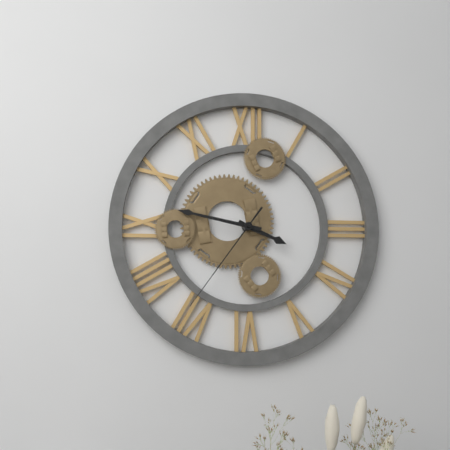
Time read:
h=3 m=47 s=36
